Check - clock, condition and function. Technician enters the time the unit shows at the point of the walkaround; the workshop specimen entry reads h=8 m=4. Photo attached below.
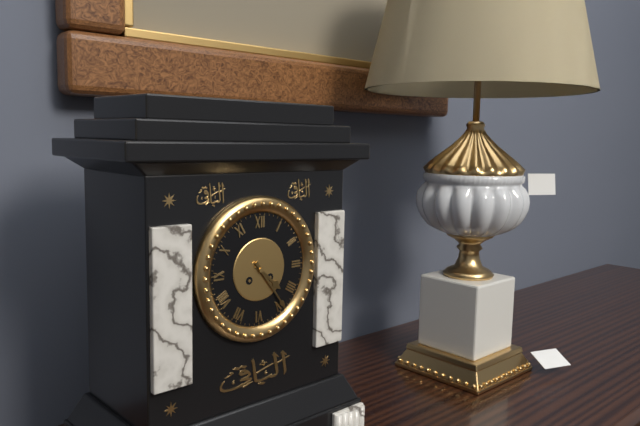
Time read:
h=4 m=24
